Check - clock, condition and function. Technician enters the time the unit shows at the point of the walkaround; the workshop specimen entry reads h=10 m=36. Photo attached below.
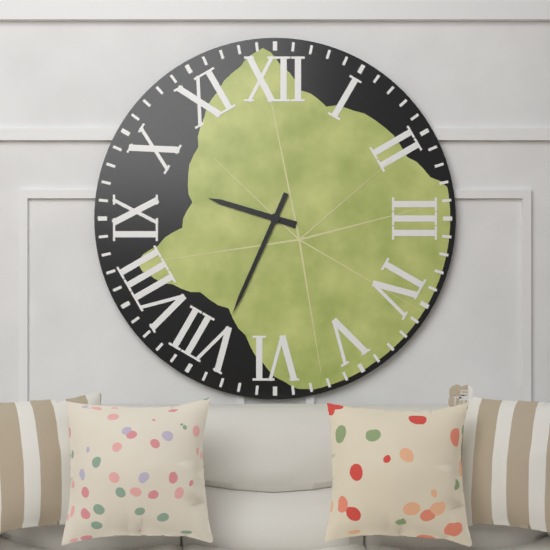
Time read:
h=9 m=34
